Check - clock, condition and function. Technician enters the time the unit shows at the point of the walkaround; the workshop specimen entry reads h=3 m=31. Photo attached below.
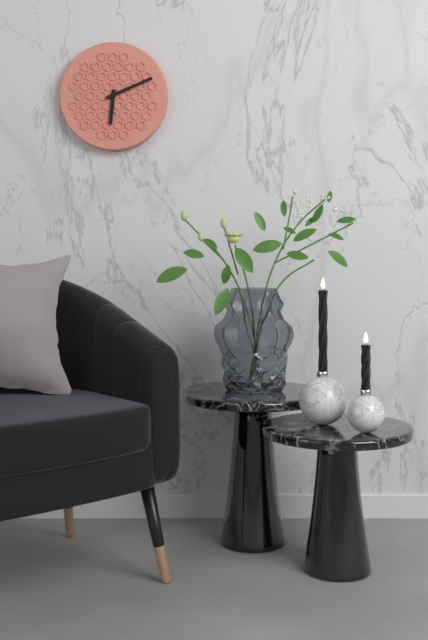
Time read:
h=6 m=11
